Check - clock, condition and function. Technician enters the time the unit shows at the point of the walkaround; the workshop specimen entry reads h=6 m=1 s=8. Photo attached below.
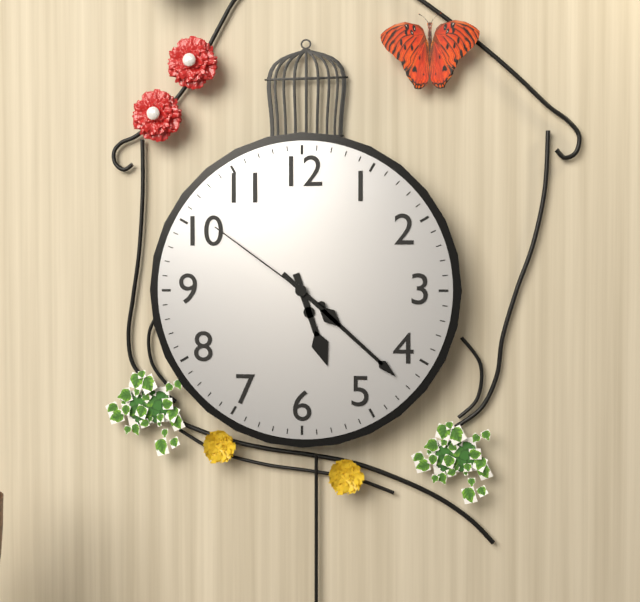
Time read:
h=5 m=22 s=51
